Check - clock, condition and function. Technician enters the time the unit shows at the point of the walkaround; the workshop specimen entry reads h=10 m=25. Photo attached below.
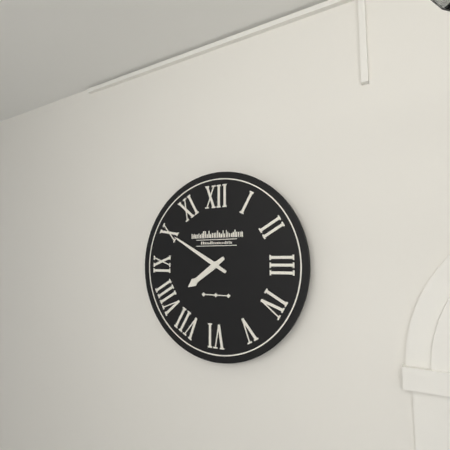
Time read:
h=7 m=50
